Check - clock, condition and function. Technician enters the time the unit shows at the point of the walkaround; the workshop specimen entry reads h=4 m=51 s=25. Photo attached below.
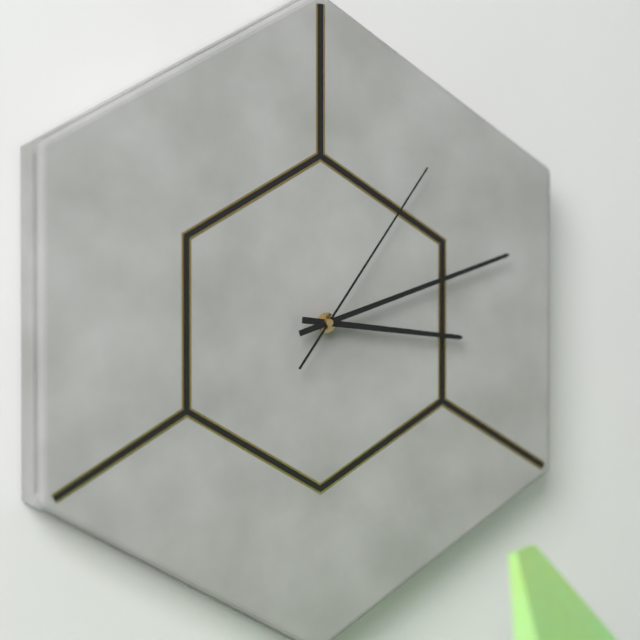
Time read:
h=3 m=12 s=6
